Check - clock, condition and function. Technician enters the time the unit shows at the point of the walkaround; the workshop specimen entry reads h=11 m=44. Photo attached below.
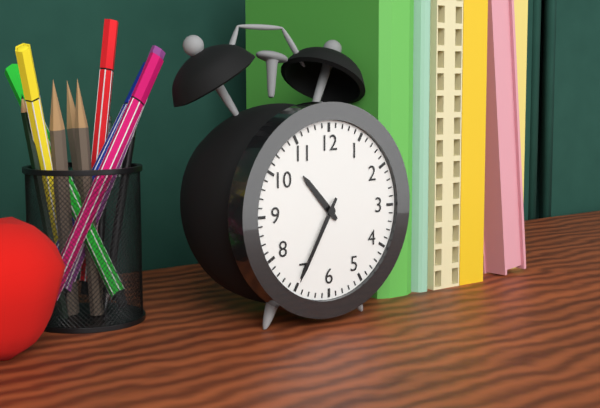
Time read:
h=10 m=35
